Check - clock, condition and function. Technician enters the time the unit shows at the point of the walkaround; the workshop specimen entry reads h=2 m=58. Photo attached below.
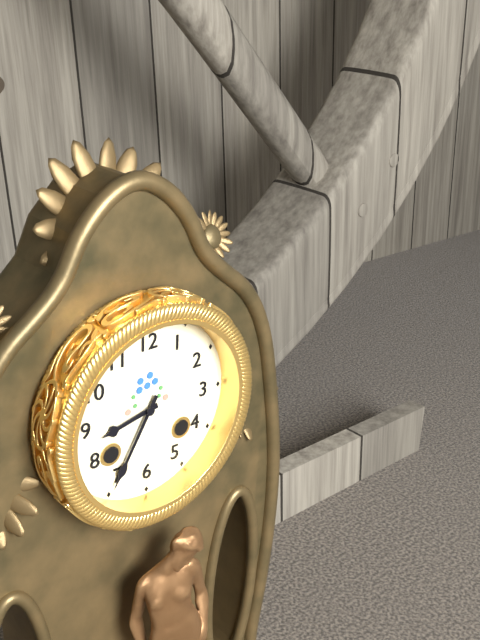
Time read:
h=8 m=35
